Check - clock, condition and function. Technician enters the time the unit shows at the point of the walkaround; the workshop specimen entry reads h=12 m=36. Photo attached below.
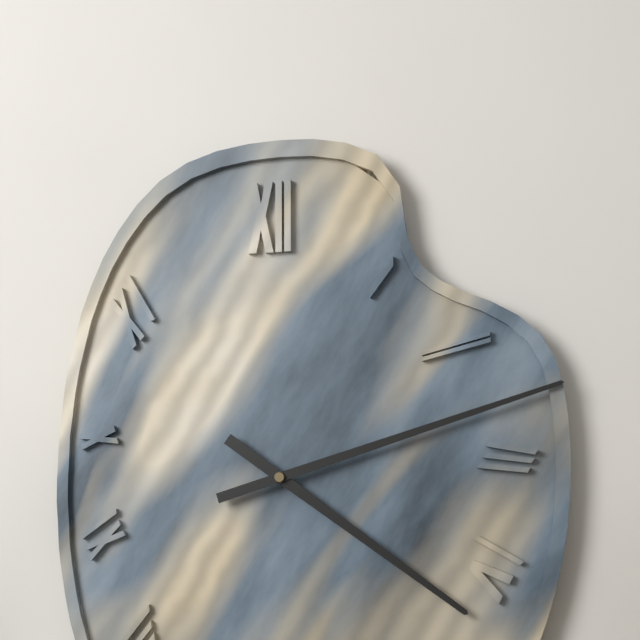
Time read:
h=4 m=12
